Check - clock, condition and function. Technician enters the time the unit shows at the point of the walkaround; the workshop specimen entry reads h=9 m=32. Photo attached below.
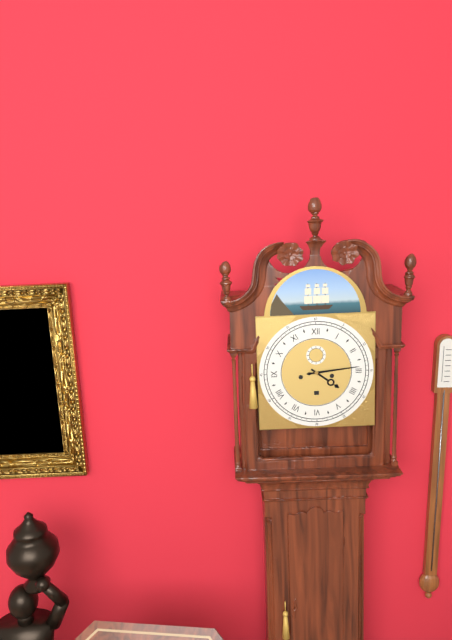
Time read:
h=4 m=14
